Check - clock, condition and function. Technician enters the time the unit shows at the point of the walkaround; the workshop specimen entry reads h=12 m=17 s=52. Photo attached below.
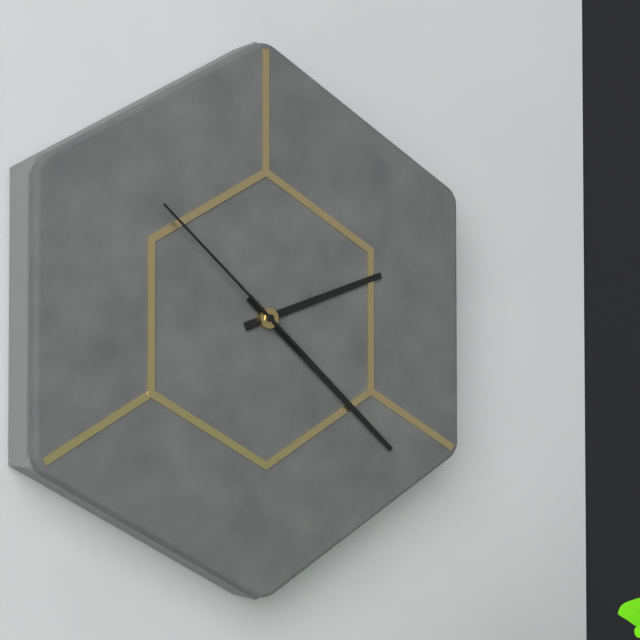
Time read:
h=2 m=22 s=52
